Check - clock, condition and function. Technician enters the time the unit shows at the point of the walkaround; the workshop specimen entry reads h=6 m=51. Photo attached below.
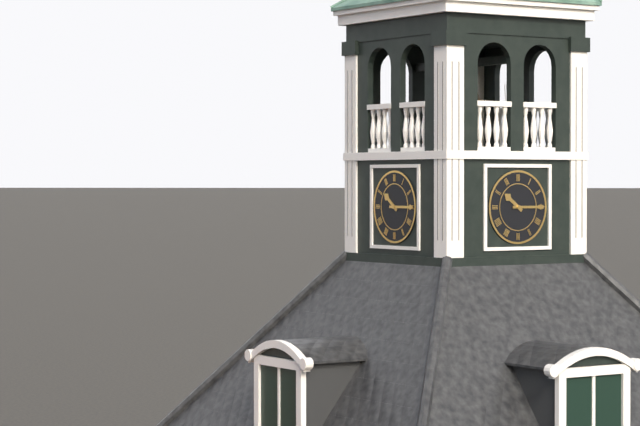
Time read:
h=10 m=15
